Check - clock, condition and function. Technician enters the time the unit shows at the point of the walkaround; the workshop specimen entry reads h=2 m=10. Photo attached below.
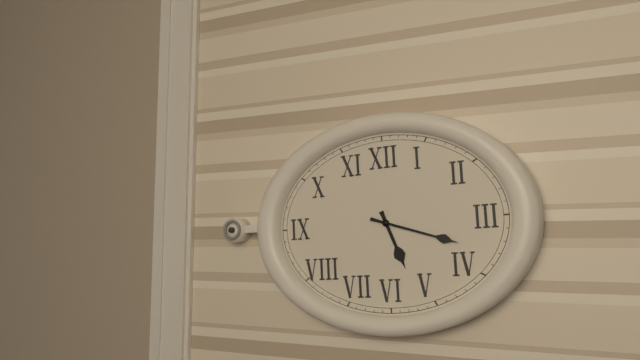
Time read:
h=5 m=18
